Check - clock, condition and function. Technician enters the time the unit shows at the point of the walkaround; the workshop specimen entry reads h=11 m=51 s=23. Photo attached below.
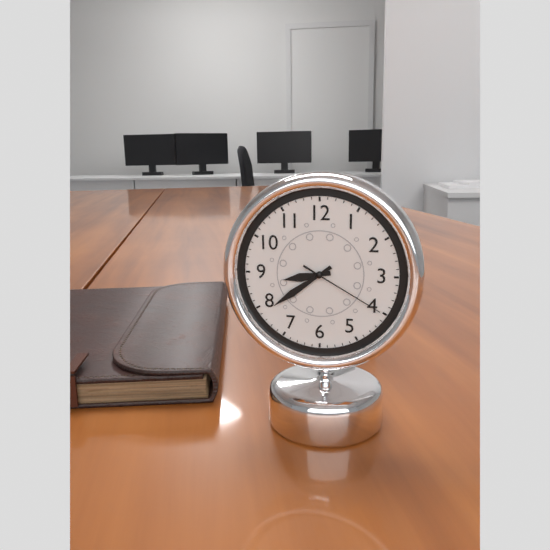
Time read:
h=8 m=39 s=20
